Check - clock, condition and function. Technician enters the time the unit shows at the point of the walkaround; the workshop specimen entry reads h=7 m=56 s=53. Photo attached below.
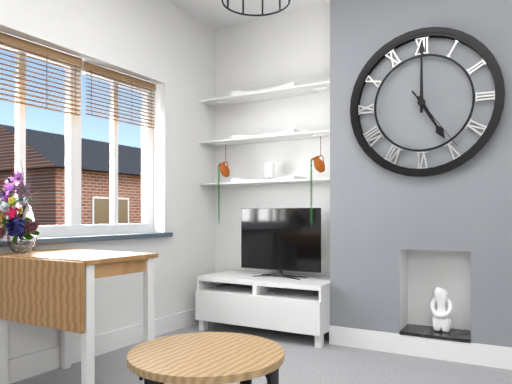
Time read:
h=5 m=0 s=24
